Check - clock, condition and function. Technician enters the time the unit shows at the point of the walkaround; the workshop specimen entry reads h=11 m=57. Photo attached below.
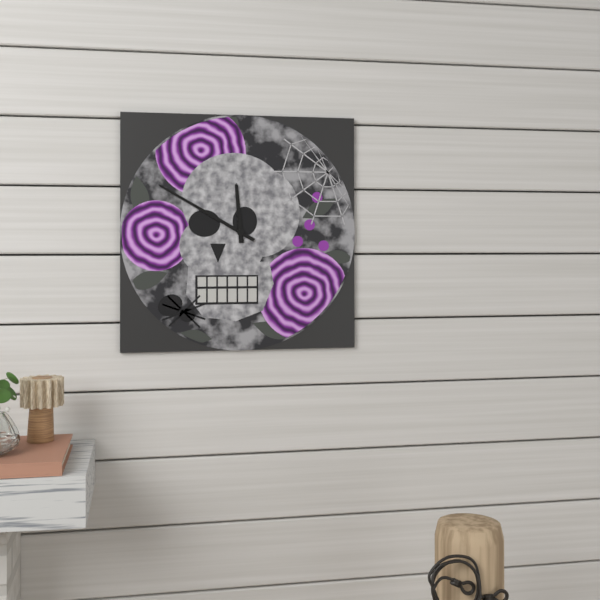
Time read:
h=11 m=50
